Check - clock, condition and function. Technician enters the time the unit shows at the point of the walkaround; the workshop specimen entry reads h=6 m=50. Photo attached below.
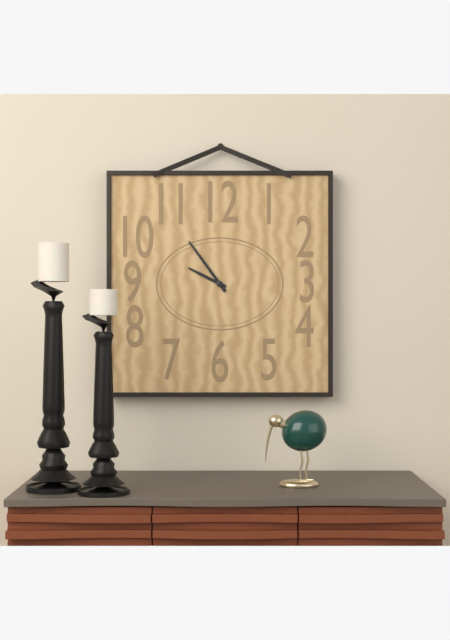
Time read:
h=9 m=54
